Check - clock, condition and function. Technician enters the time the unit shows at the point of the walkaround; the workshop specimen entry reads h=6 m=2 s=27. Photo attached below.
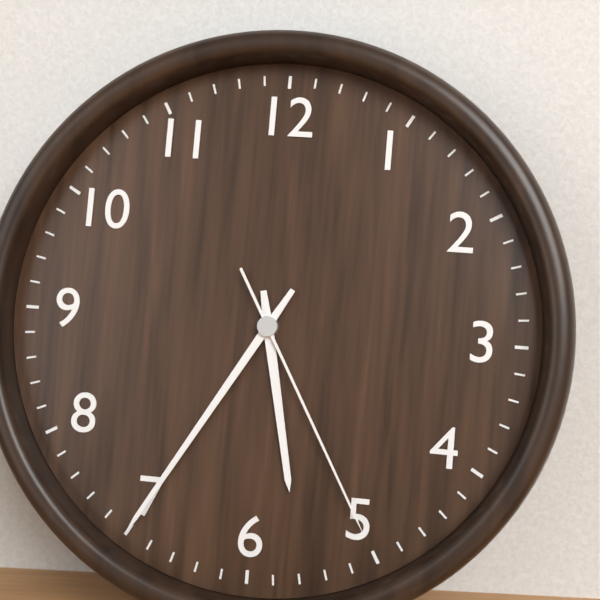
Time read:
h=5 m=35 s=25
